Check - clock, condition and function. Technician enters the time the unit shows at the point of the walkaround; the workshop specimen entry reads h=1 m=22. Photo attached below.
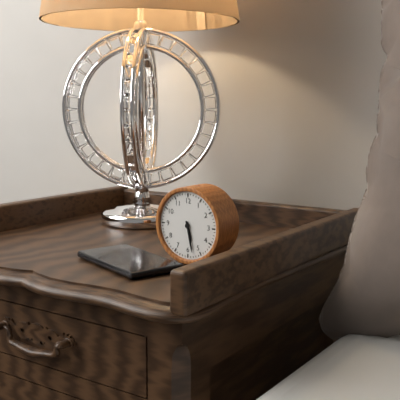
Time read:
h=5 m=28
